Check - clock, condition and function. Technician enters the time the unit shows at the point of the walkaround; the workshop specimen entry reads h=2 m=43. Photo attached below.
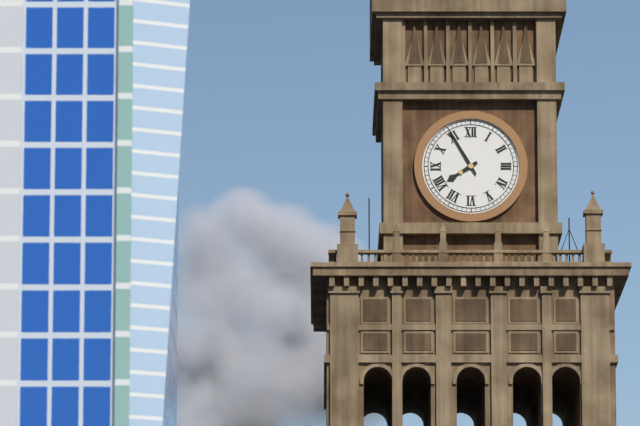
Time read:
h=7 m=55
